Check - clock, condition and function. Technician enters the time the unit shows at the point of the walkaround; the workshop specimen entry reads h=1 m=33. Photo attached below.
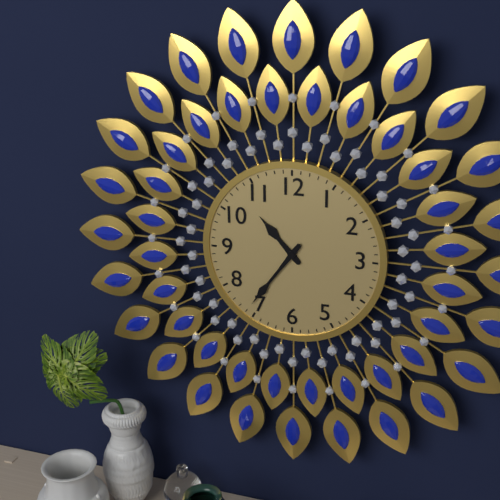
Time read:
h=10 m=36
